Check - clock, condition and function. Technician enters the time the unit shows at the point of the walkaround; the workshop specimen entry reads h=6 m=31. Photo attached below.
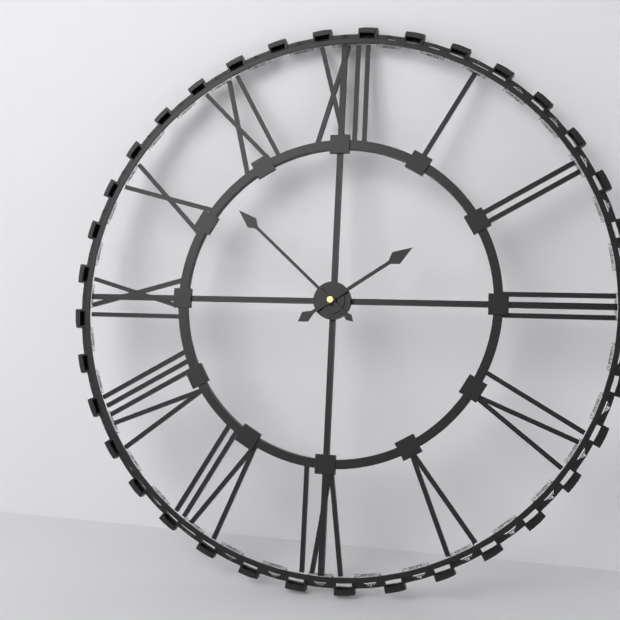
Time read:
h=1 m=52
